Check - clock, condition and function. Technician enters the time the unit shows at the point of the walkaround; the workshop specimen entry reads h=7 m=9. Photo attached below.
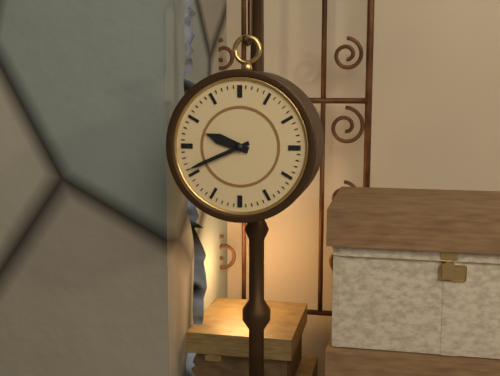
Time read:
h=9 m=41
